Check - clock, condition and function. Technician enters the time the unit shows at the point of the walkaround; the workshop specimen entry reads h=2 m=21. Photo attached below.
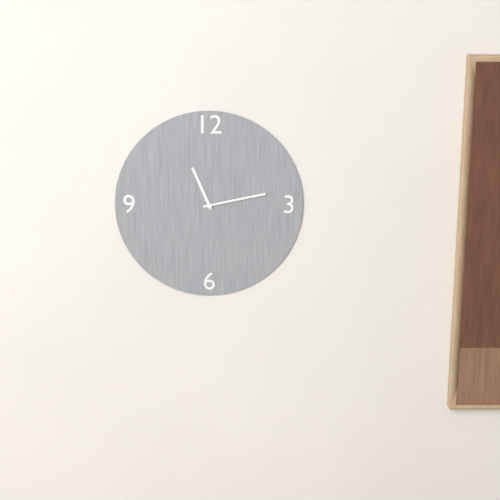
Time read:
h=11 m=13
